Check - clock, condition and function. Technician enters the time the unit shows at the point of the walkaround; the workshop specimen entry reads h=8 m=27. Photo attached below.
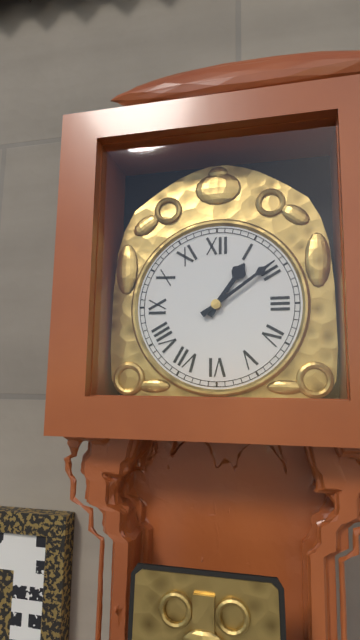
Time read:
h=1 m=9
